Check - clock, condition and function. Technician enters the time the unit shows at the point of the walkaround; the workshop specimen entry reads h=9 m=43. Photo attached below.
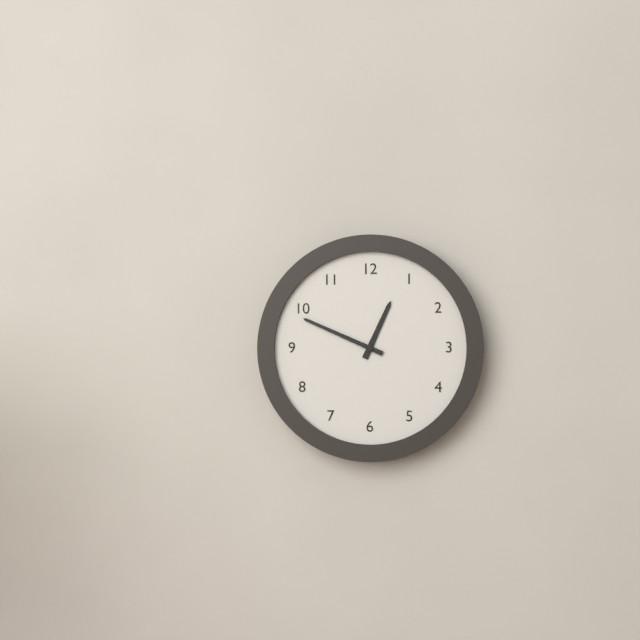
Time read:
h=12 m=49
